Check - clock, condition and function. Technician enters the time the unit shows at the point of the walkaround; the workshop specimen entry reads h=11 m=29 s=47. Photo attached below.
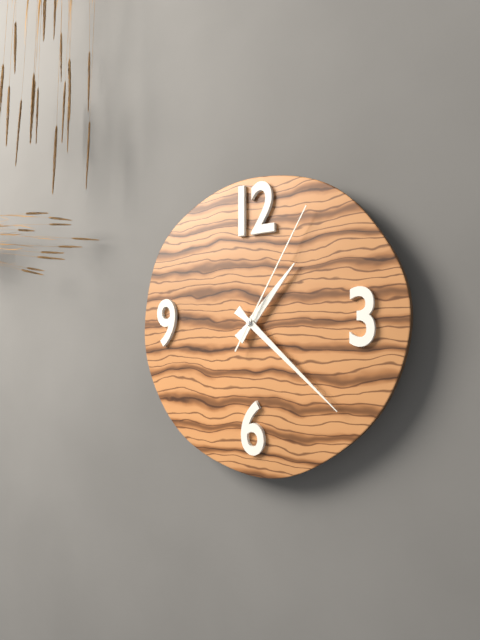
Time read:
h=1 m=22 s=5
